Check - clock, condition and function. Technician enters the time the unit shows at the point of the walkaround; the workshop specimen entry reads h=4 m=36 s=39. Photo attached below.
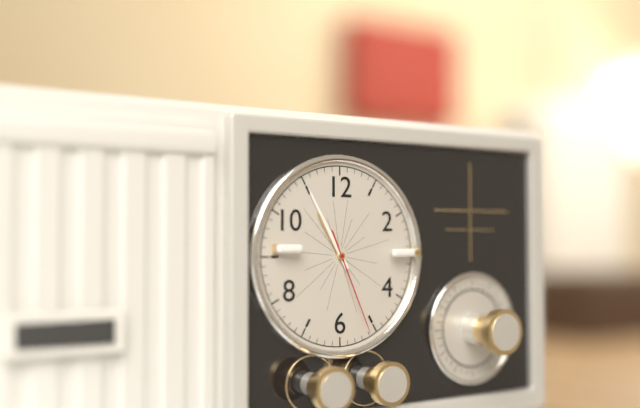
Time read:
h=10 m=55 s=26
